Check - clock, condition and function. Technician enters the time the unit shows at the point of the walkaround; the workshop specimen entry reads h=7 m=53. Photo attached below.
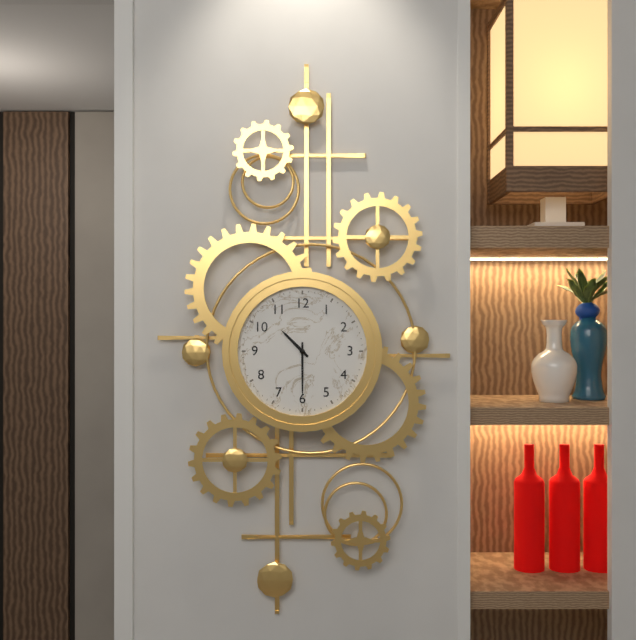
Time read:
h=10 m=30
